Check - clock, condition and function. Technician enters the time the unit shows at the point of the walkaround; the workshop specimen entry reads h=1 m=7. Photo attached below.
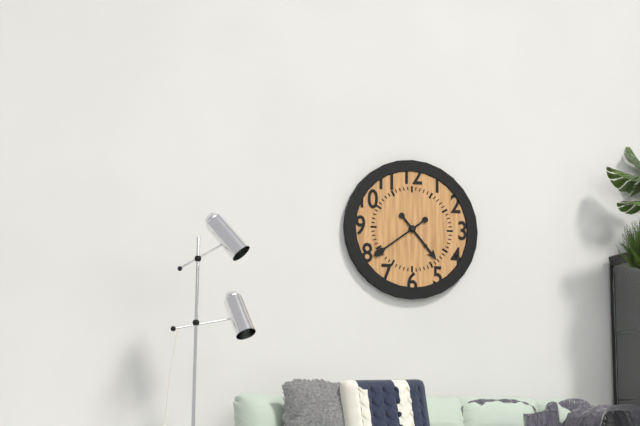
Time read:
h=4 m=39
